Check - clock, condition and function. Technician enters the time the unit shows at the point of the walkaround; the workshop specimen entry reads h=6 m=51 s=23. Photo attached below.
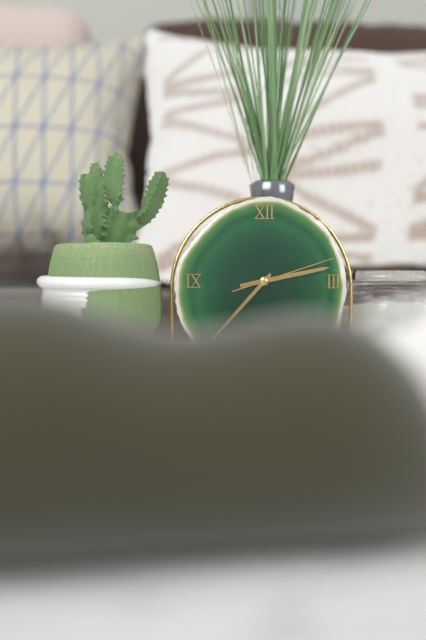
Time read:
h=2 m=37 s=12
